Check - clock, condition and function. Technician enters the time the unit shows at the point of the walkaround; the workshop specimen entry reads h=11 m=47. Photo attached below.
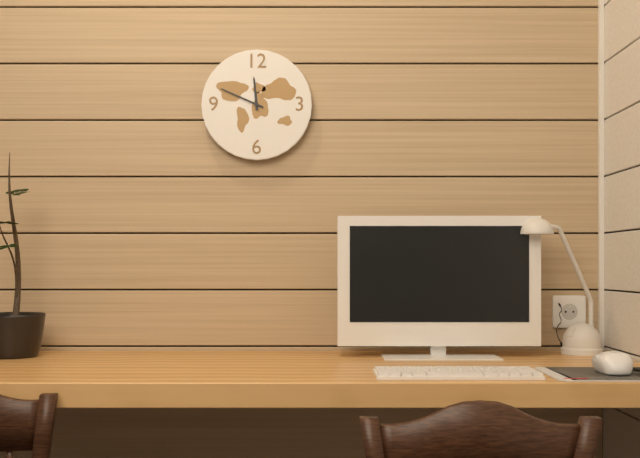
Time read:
h=11 m=49
